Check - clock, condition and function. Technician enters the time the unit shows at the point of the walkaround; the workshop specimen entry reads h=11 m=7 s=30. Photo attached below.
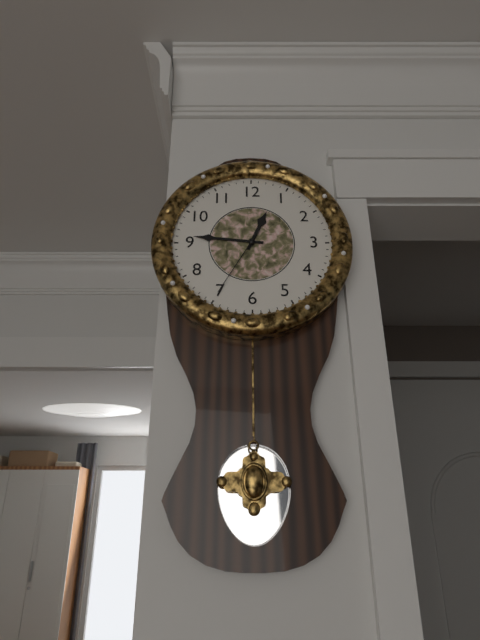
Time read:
h=12 m=46 s=35
